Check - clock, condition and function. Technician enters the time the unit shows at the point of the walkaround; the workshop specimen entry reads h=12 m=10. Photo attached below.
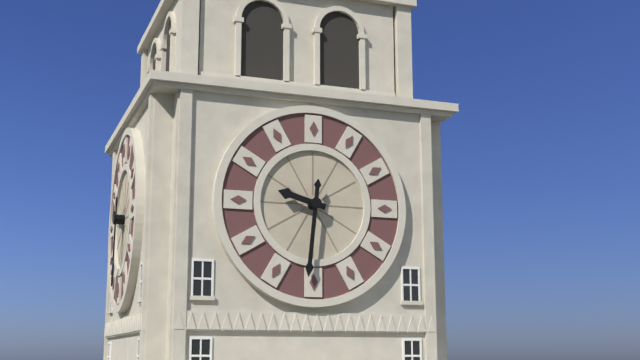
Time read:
h=9 m=31
